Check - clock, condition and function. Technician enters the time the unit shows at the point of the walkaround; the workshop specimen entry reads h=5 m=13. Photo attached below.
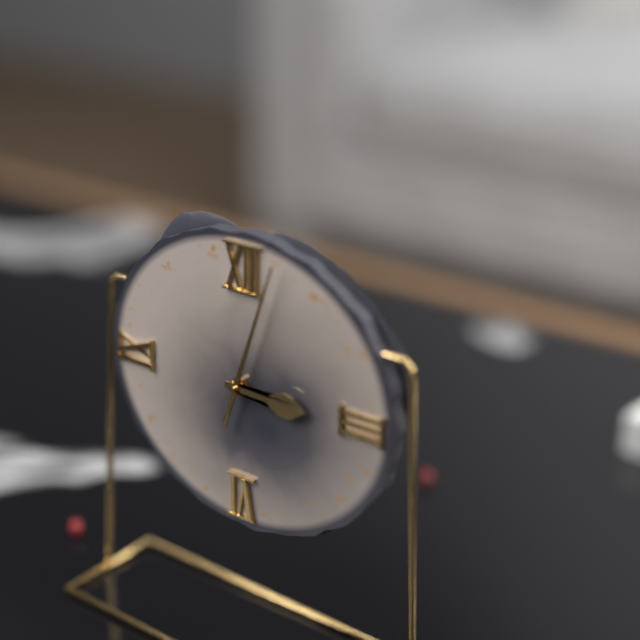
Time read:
h=3 m=3
